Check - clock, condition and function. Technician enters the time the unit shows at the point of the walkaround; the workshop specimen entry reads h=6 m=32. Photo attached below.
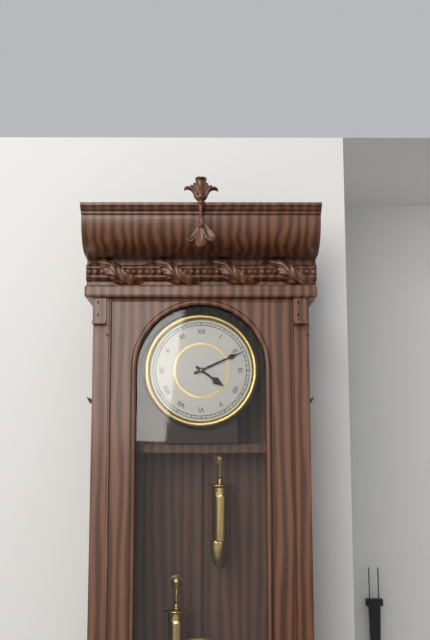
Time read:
h=4 m=11
